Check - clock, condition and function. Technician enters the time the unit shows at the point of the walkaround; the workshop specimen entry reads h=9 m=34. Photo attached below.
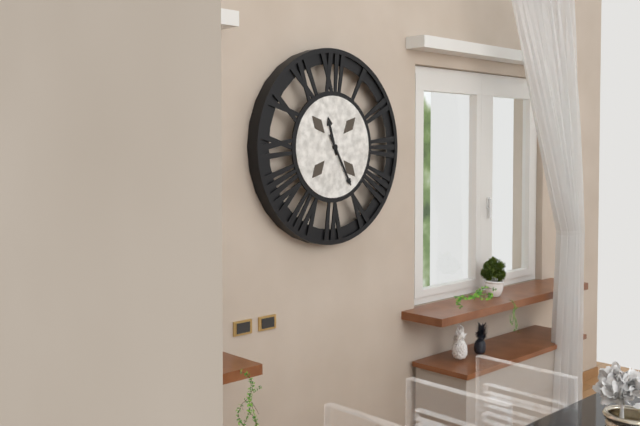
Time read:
h=11 m=25
